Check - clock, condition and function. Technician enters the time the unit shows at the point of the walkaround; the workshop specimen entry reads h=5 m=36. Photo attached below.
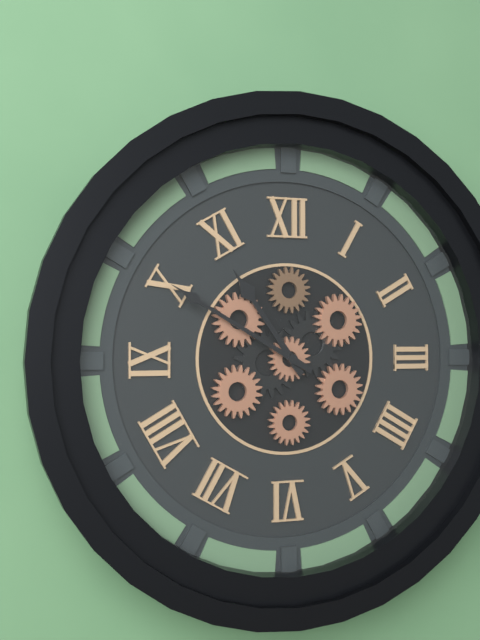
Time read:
h=10 m=50
